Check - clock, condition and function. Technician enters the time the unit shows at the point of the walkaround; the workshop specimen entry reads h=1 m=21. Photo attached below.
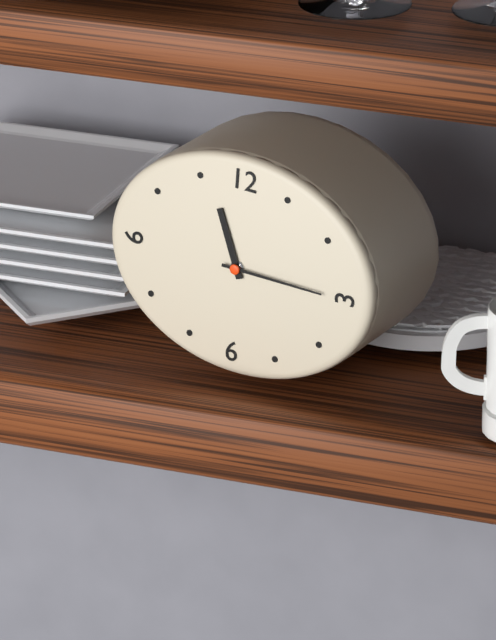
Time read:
h=11 m=15
